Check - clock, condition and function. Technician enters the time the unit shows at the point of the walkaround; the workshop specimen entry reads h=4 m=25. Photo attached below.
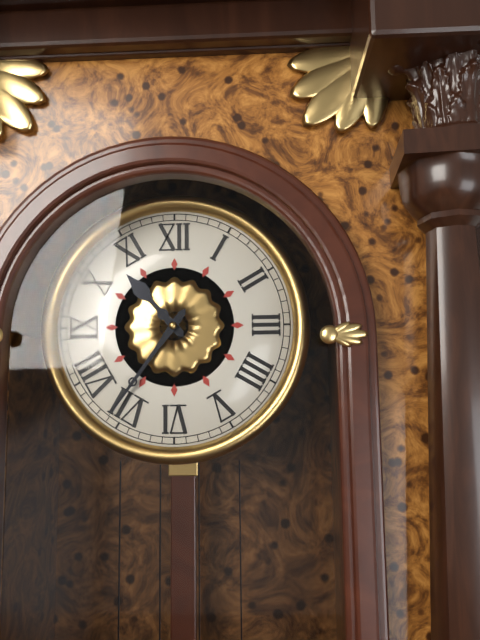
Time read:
h=10 m=36
